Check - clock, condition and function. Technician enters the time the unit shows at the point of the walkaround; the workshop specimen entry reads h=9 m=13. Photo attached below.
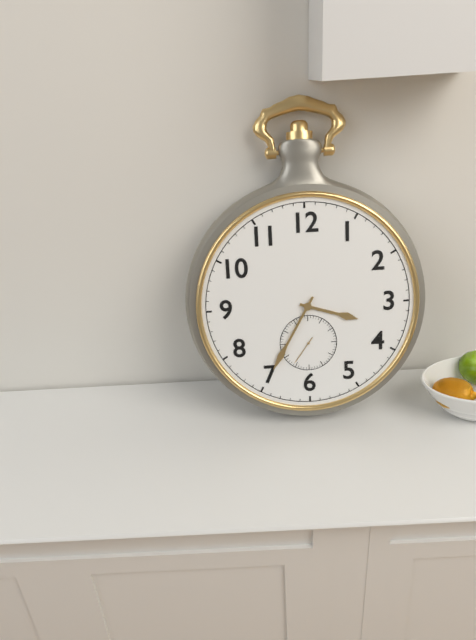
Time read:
h=3 m=35
